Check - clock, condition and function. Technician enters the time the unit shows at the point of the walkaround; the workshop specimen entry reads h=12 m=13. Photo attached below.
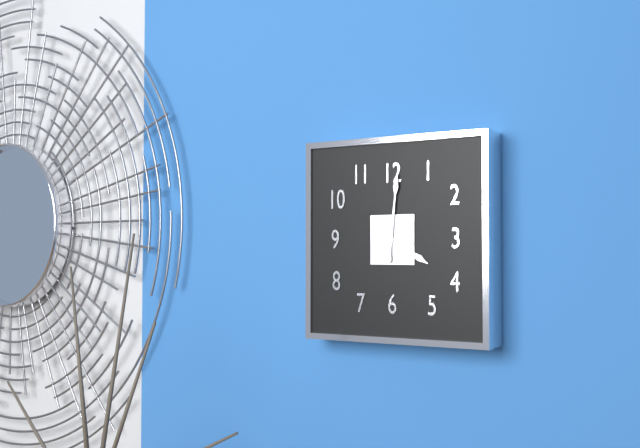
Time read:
h=4 m=1
